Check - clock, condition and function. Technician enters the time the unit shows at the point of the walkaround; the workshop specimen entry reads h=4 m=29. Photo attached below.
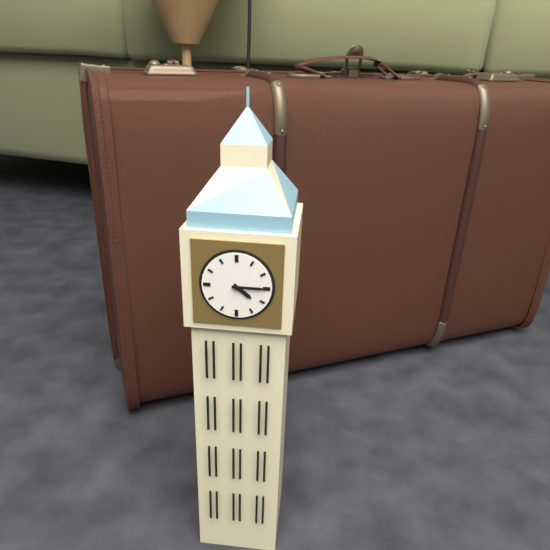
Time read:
h=4 m=15
